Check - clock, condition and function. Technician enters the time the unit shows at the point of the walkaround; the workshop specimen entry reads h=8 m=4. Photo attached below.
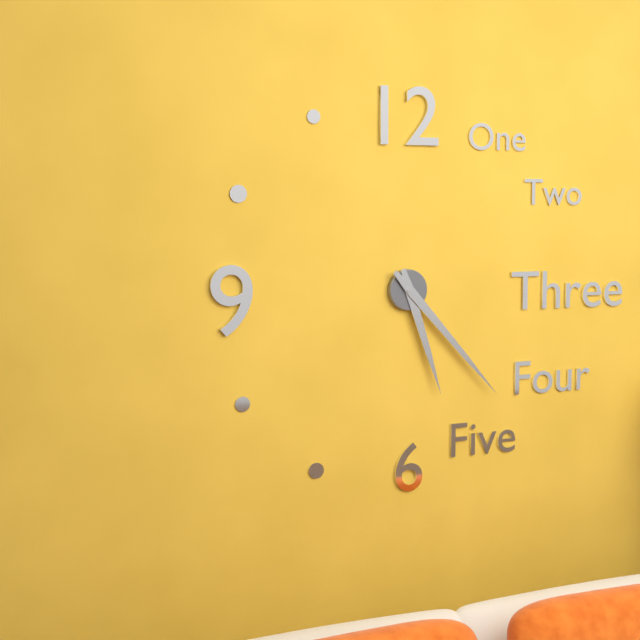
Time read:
h=5 m=23
